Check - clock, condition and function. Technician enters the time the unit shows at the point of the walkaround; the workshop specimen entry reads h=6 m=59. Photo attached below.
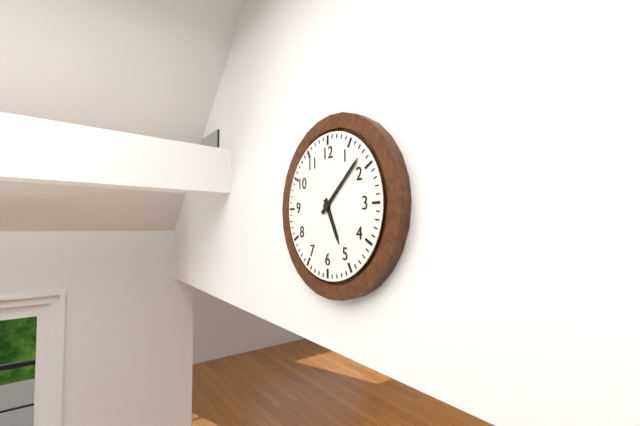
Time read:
h=5 m=8
